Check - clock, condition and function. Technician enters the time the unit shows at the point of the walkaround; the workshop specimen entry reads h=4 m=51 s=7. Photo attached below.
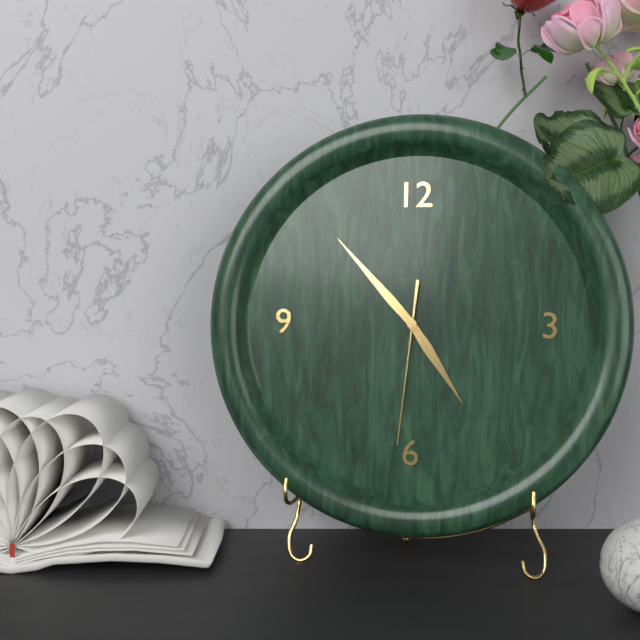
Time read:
h=4 m=53 s=31
